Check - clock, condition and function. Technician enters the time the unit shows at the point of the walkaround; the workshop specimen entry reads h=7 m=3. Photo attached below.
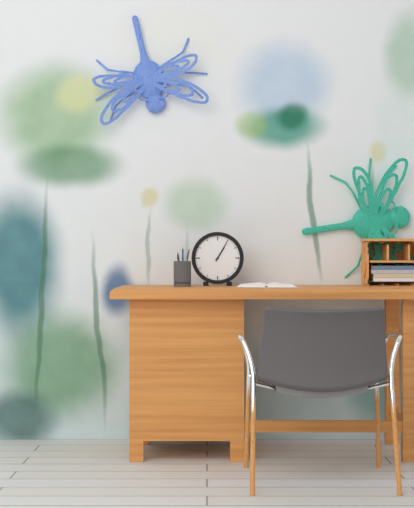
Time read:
h=1 m=5
